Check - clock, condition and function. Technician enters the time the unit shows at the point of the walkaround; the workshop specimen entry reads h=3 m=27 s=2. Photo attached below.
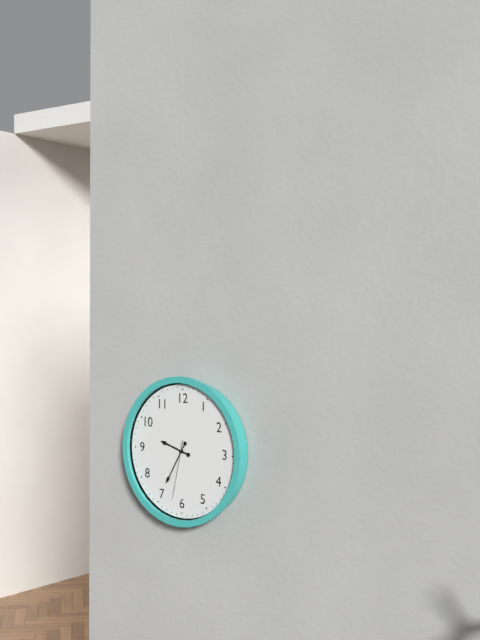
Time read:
h=9 m=35 s=32
